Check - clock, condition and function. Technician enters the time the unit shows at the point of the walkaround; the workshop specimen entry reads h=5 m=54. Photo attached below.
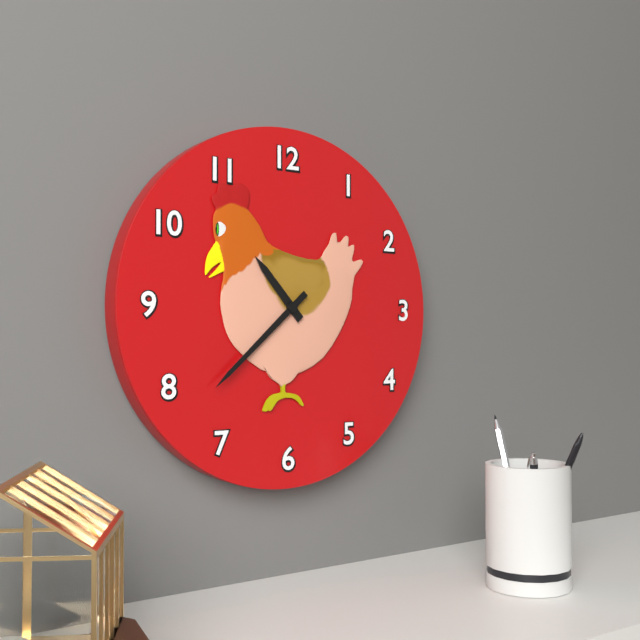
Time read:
h=10 m=38
